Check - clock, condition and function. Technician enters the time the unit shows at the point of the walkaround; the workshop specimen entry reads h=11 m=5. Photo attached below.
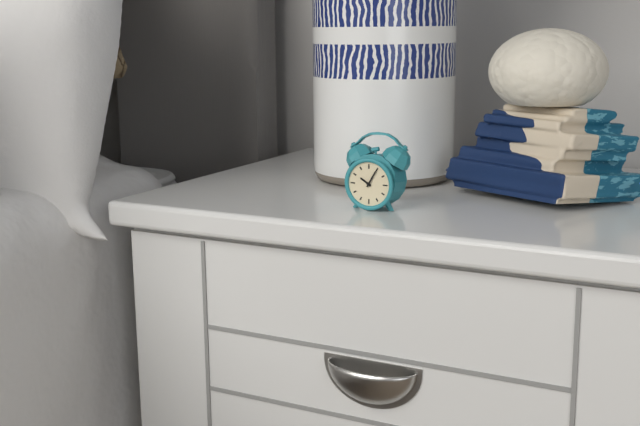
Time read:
h=10 m=5
